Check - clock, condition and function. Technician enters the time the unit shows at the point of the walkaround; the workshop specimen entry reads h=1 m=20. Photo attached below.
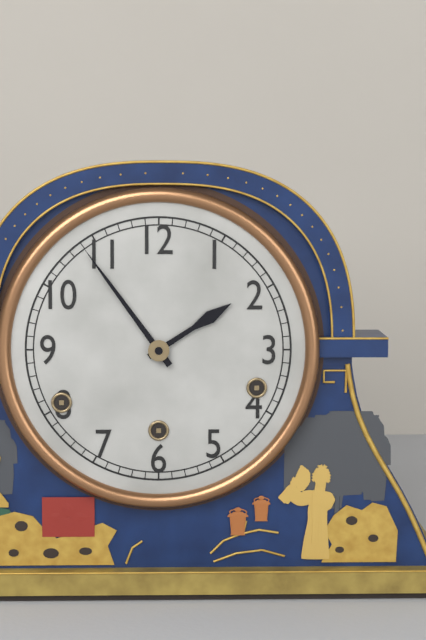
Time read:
h=1 m=54
